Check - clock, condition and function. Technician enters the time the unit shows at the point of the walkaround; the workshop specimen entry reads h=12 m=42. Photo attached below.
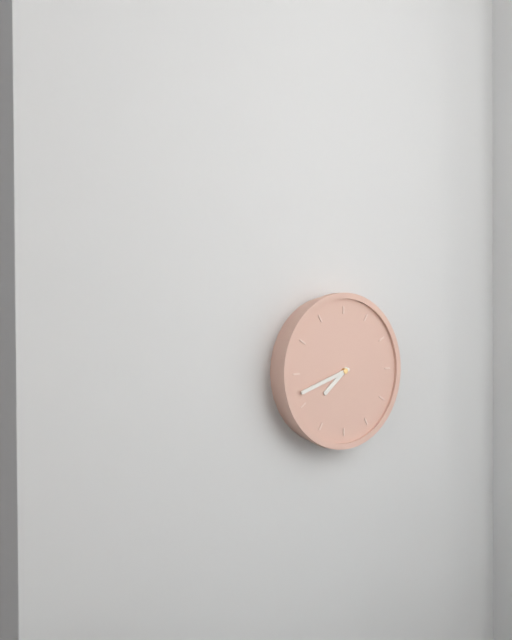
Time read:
h=7 m=42
